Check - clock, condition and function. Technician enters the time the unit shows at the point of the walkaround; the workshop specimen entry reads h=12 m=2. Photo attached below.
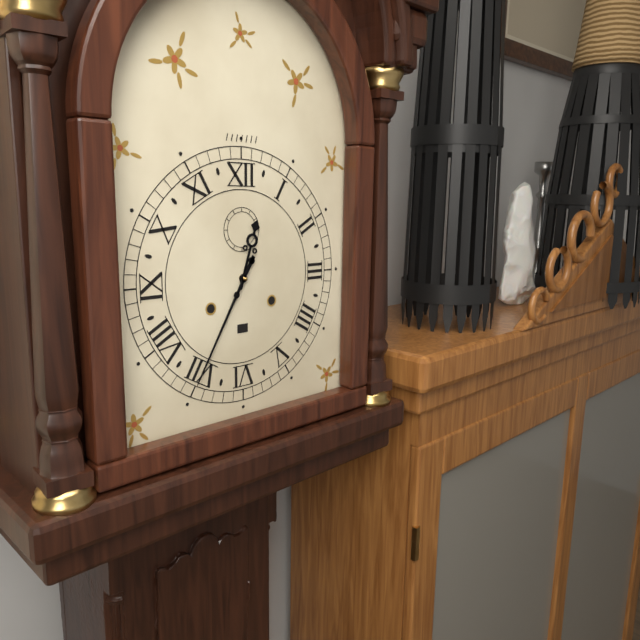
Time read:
h=12 m=35
